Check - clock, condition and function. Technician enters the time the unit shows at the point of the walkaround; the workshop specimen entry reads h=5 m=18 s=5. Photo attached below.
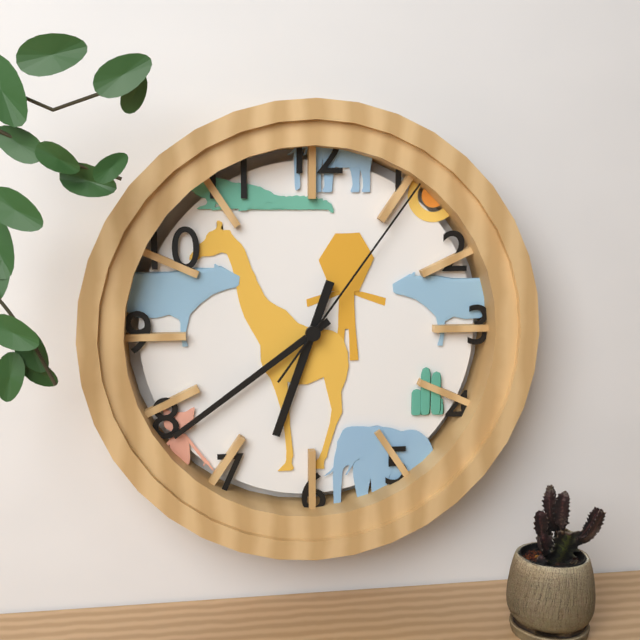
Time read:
h=6 m=39 s=6
